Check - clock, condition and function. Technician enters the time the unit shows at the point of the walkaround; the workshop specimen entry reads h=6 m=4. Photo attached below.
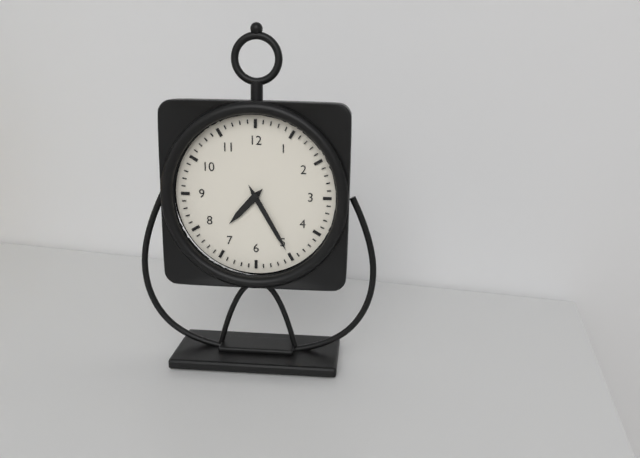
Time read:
h=7 m=25
